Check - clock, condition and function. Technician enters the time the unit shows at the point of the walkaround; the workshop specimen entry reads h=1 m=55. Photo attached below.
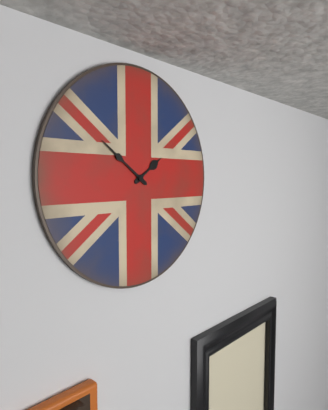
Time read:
h=1 m=51
